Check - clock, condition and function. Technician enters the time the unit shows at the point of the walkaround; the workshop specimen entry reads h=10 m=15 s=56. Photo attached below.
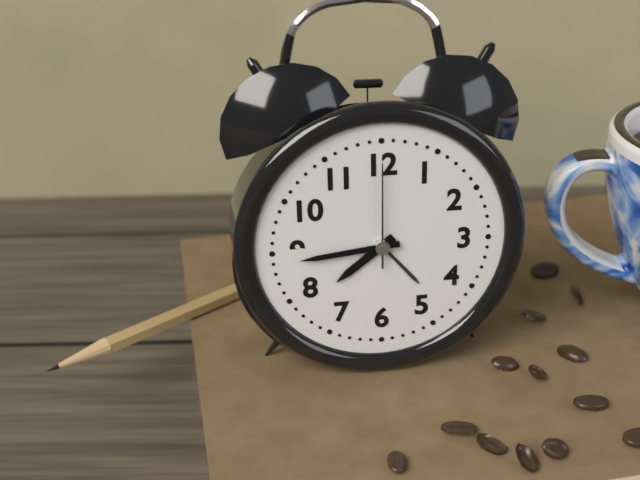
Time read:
h=7 m=44 s=0
